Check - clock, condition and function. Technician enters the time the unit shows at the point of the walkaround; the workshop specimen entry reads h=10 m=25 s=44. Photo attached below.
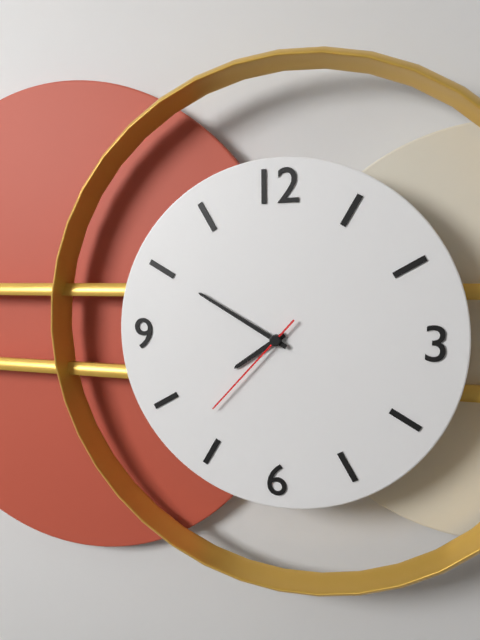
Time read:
h=7 m=50 s=37
